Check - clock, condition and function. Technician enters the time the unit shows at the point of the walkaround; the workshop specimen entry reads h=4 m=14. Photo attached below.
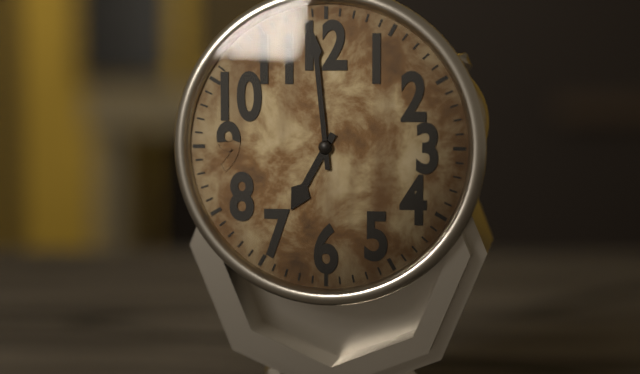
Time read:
h=6 m=59
